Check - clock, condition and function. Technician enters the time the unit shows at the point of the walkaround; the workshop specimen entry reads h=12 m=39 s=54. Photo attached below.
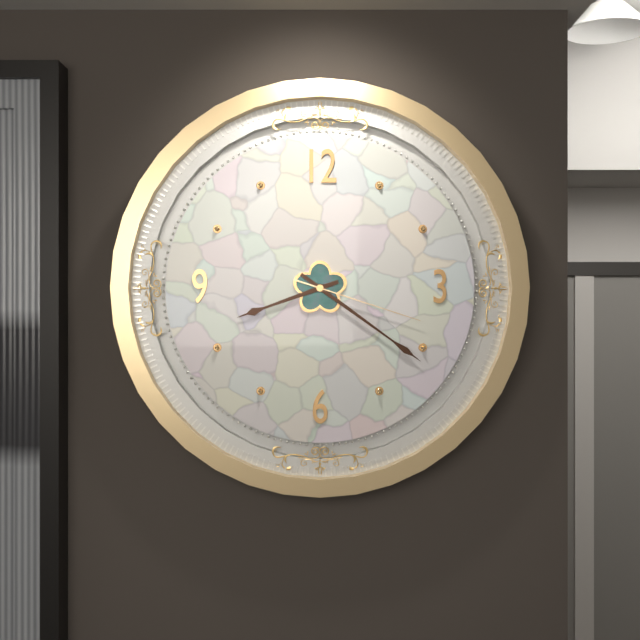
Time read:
h=8 m=21 s=18
